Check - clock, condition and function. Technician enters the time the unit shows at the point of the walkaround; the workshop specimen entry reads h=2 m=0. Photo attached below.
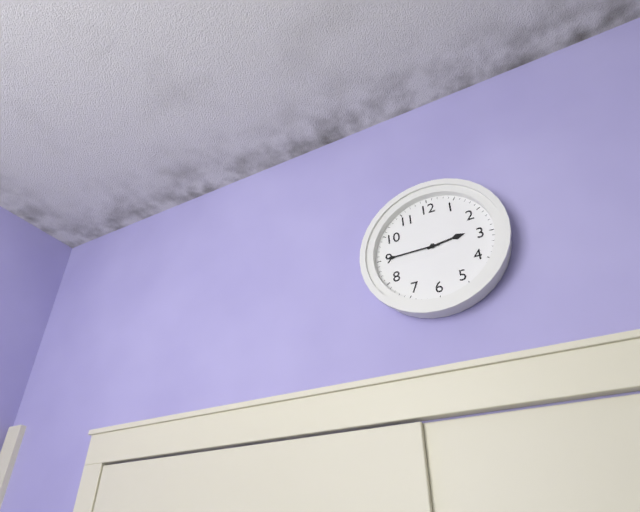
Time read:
h=2 m=45
